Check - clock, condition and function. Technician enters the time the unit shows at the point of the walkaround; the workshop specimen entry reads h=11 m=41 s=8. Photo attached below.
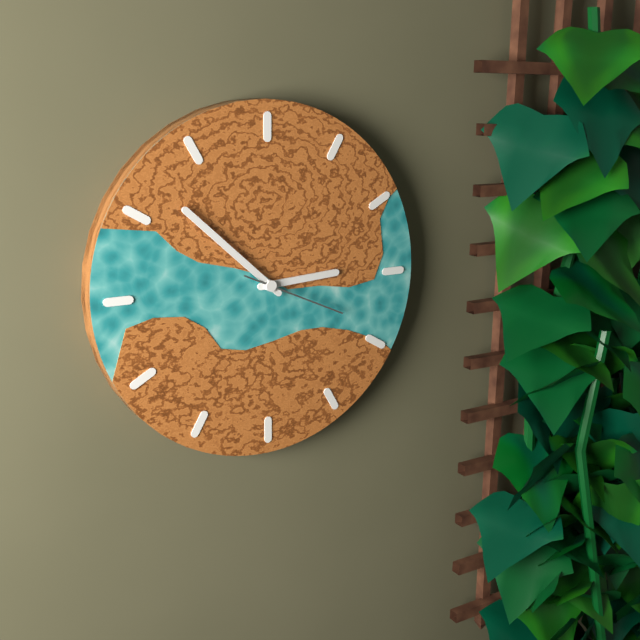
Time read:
h=2 m=52 s=19
